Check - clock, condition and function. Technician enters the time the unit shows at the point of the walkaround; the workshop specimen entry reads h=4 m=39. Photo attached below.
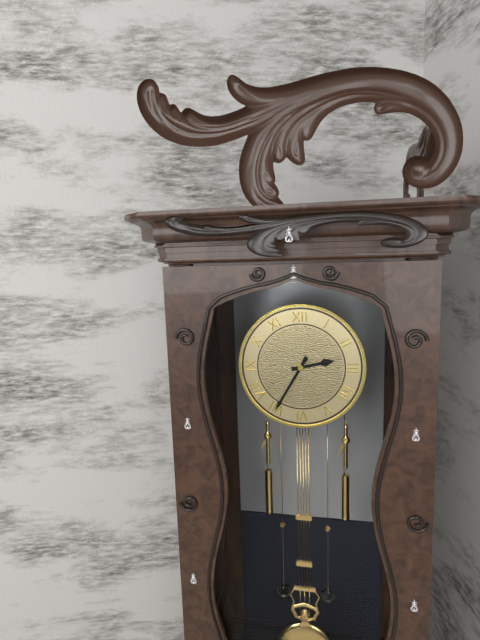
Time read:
h=2 m=35
